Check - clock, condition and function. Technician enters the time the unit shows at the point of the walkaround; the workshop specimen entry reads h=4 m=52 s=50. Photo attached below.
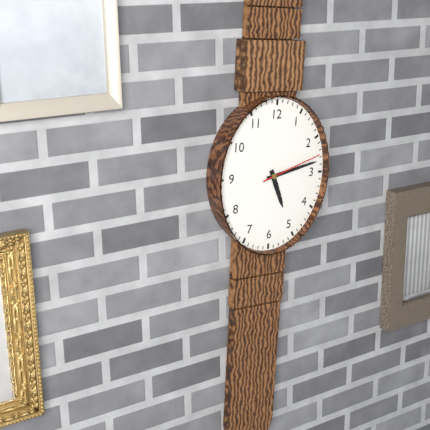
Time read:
h=5 m=13 s=12
